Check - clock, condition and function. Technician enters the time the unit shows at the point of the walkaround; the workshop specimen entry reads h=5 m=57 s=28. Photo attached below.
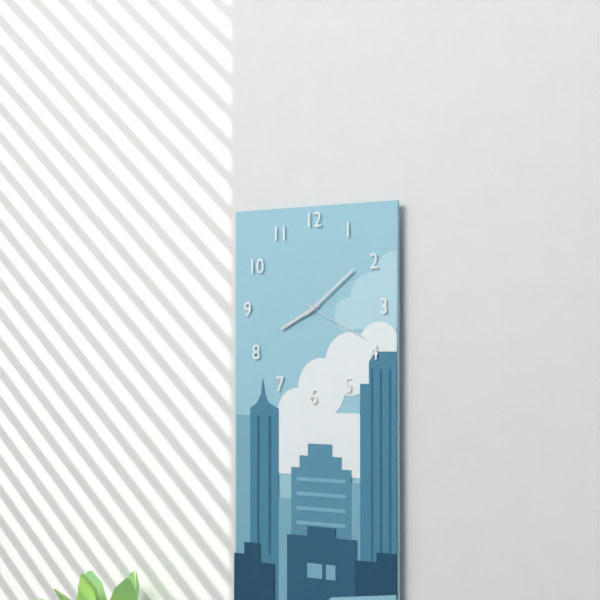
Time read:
h=8 m=9 s=19
